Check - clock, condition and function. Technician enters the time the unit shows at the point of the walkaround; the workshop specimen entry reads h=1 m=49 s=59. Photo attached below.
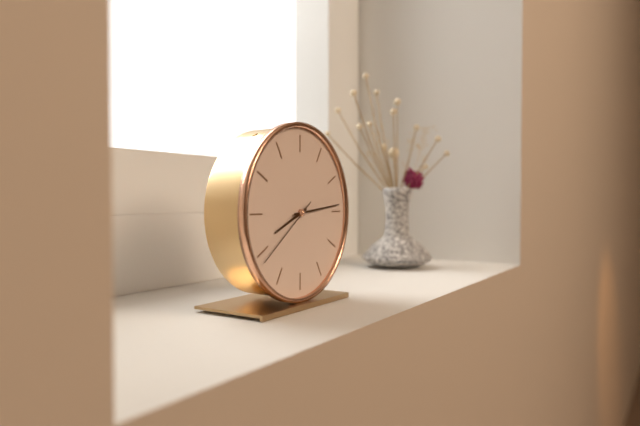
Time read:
h=8 m=14 s=39
